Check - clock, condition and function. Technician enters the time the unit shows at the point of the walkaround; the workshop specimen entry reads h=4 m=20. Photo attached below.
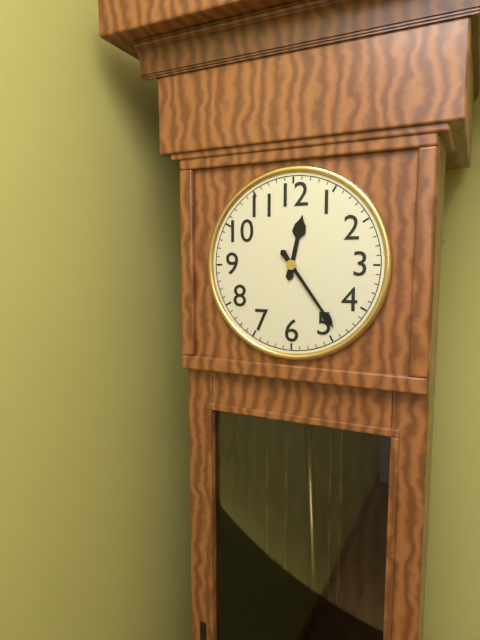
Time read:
h=12 m=24
